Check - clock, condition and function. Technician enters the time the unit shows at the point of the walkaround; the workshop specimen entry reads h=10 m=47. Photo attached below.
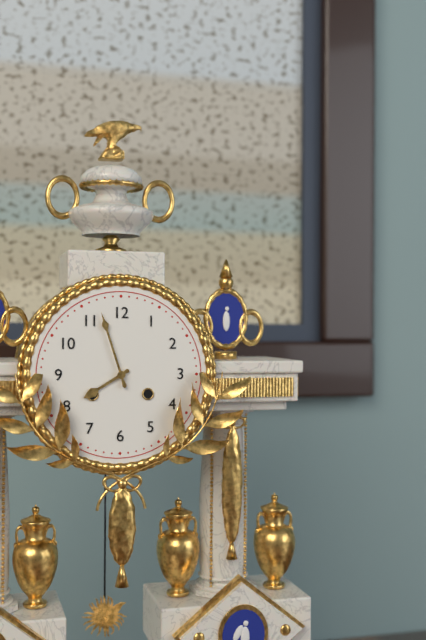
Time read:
h=7 m=57
